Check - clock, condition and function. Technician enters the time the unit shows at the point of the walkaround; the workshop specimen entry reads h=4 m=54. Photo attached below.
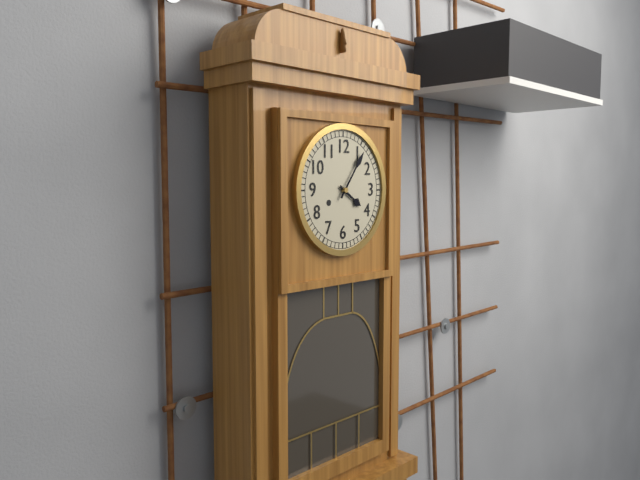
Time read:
h=4 m=6
